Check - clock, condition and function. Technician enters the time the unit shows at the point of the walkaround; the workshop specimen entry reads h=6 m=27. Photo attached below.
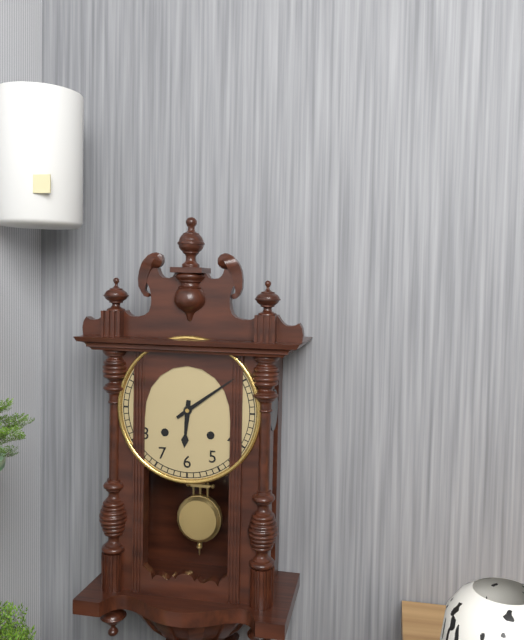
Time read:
h=6 m=9
